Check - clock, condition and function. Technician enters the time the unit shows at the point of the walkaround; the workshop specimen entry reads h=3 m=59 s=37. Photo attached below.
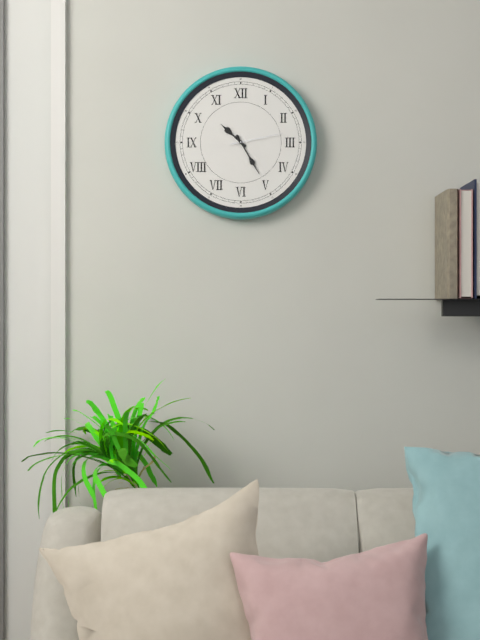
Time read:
h=10 m=25 s=13
